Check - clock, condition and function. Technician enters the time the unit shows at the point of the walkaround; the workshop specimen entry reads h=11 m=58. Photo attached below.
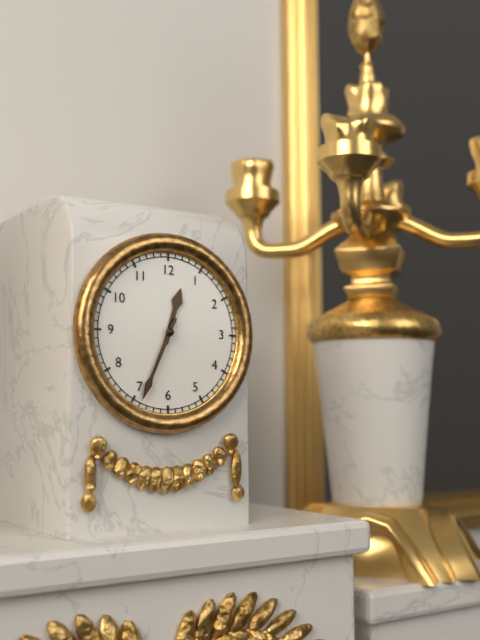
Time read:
h=12 m=34
